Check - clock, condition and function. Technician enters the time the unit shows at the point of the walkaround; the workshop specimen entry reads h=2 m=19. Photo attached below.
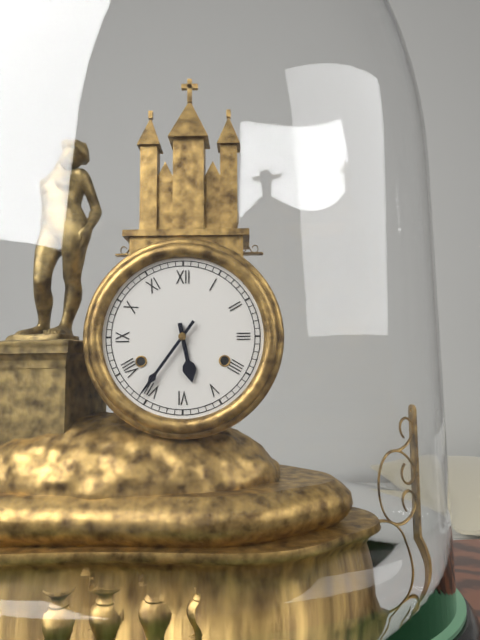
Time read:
h=5 m=36
